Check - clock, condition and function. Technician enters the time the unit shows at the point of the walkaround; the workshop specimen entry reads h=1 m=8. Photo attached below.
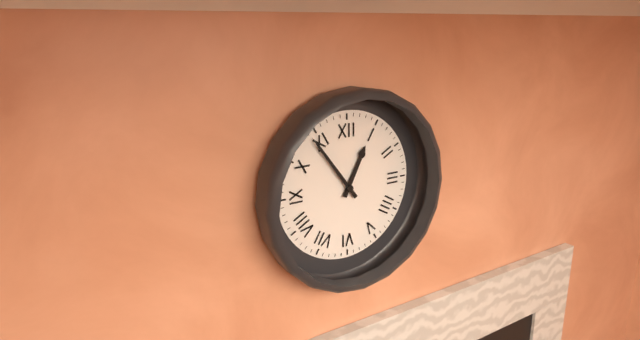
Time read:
h=12 m=54
